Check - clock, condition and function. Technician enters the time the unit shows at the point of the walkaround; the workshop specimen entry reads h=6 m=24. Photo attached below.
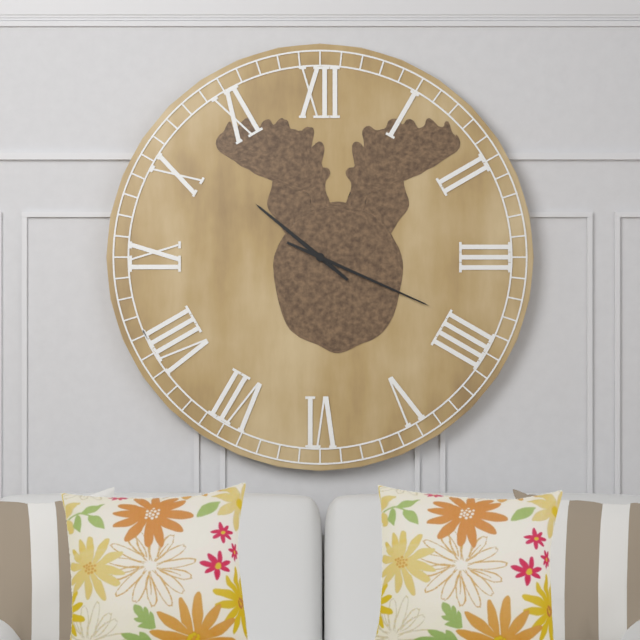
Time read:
h=10 m=19
